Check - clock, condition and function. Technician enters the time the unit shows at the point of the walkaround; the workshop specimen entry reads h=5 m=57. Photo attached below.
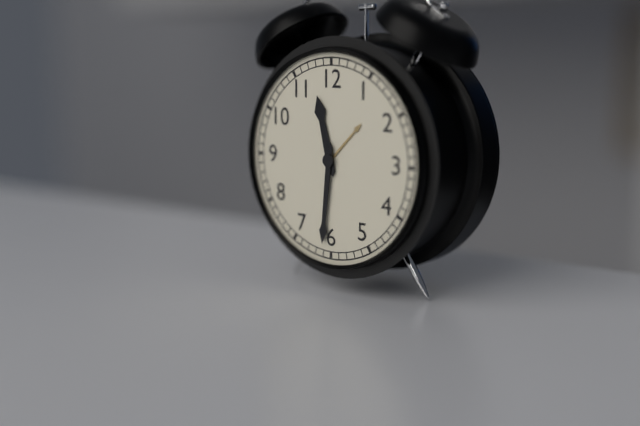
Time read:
h=11 m=31
